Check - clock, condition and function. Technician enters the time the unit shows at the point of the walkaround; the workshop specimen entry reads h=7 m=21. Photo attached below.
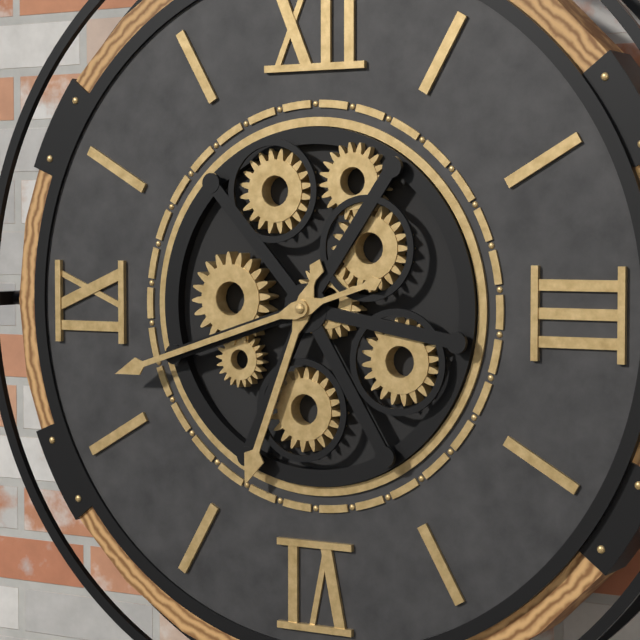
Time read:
h=6 m=42
